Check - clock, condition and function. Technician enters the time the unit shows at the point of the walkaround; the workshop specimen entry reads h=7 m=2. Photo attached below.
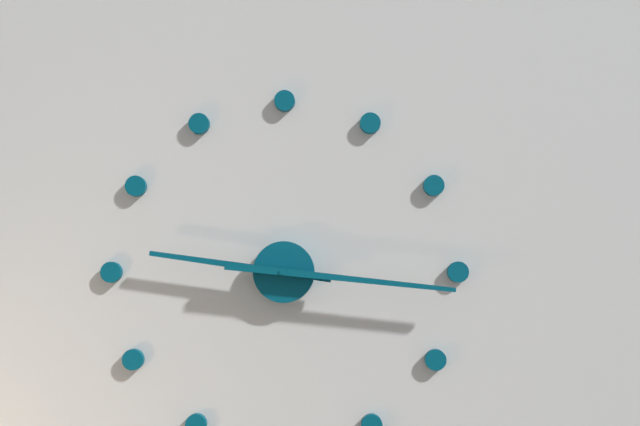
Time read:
h=9 m=16
